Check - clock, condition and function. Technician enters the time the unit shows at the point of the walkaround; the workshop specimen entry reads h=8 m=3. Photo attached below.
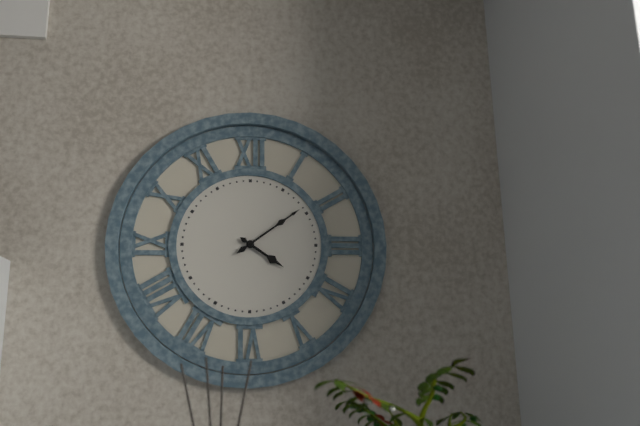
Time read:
h=4 m=9
